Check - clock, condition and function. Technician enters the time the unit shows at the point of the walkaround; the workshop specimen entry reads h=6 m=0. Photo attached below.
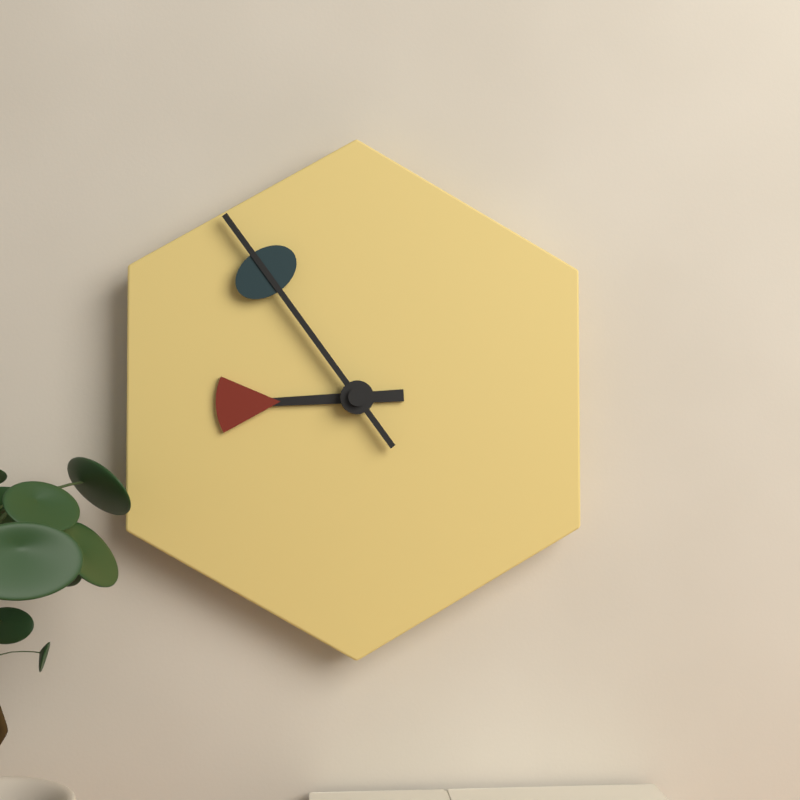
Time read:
h=8 m=54
